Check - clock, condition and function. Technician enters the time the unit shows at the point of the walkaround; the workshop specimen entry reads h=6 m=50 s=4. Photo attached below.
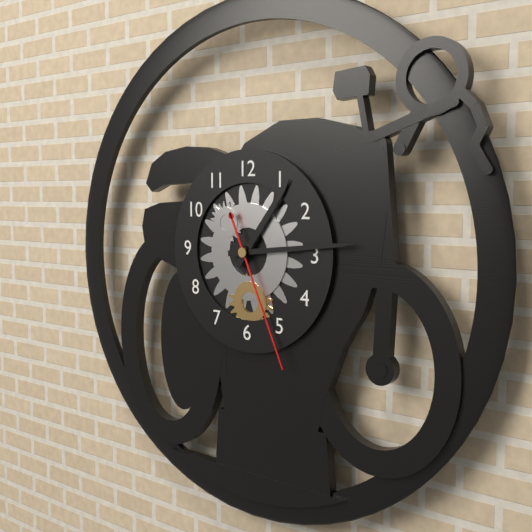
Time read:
h=1 m=14 s=26
